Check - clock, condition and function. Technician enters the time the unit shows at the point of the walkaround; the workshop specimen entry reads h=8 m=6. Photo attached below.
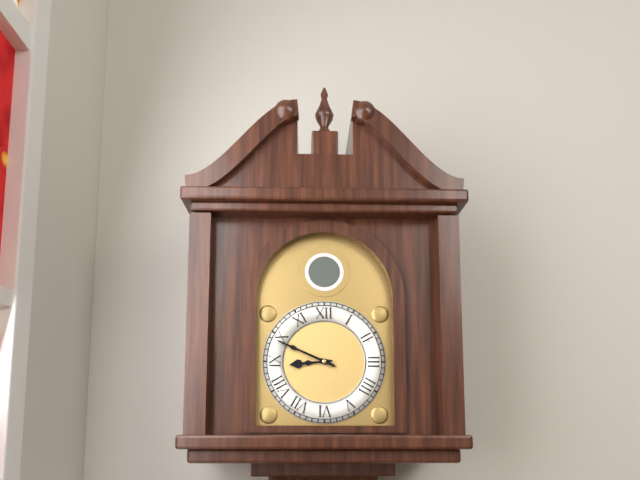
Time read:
h=8 m=49
